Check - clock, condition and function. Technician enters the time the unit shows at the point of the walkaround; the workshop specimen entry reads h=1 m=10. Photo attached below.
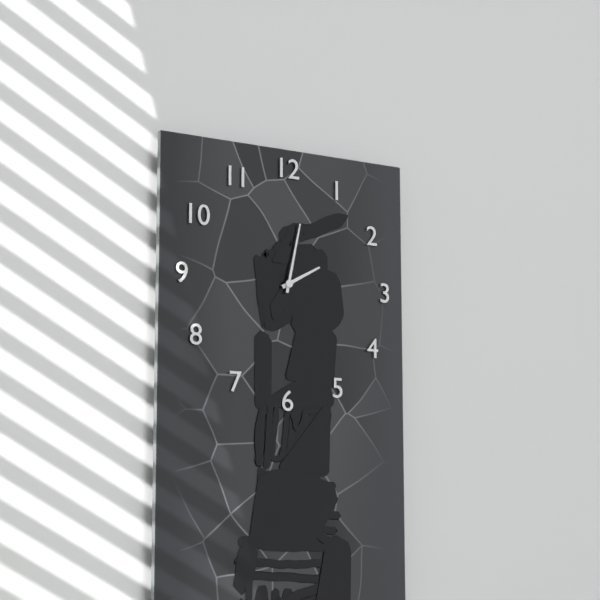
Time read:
h=2 m=2
